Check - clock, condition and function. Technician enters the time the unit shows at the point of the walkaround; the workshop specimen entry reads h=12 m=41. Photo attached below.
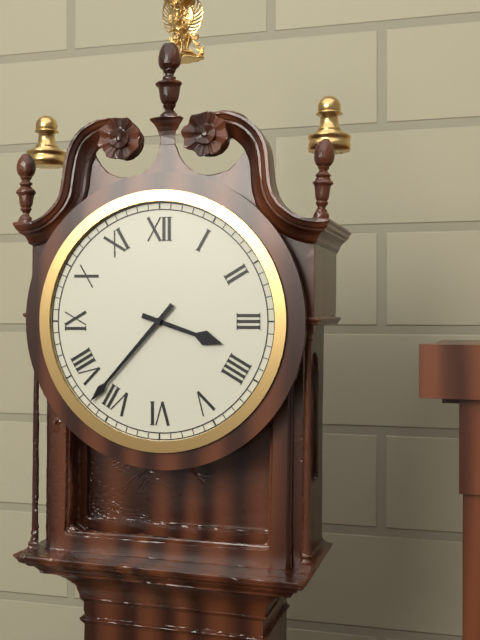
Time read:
h=3 m=37
